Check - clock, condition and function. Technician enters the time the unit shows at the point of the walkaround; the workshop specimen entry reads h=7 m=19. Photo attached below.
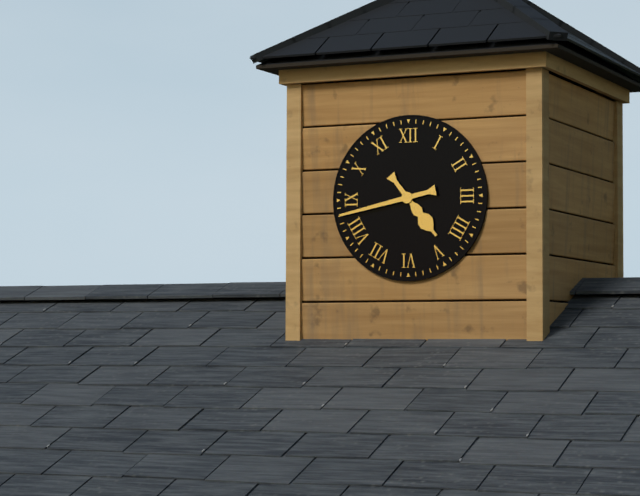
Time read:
h=4 m=43
